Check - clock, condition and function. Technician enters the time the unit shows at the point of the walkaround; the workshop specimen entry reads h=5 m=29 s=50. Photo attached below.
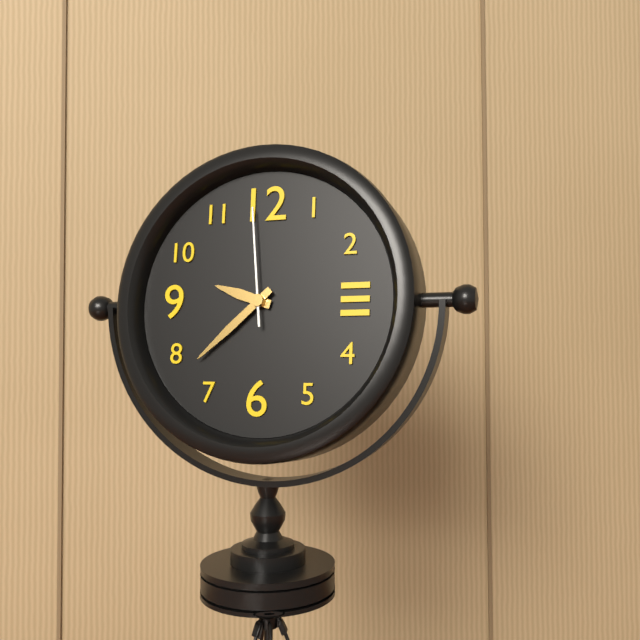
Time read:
h=9 m=38 s=59
